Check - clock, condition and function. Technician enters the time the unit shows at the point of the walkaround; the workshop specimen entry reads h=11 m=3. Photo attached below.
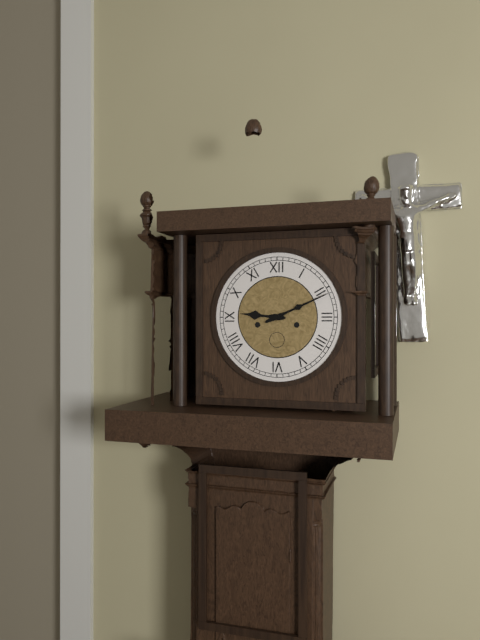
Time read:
h=9 m=11
